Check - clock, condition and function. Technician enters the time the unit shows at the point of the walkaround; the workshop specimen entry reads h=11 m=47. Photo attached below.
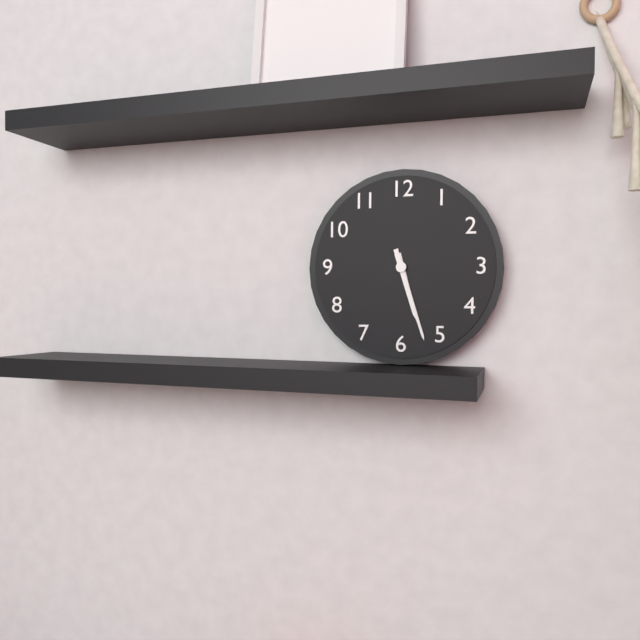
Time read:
h=5 m=27
